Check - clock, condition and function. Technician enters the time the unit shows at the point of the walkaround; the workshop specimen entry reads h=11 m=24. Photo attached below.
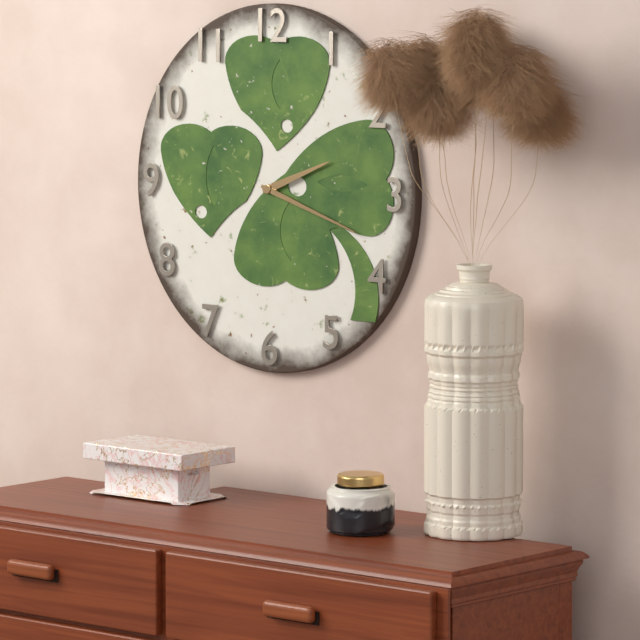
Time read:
h=2 m=18
